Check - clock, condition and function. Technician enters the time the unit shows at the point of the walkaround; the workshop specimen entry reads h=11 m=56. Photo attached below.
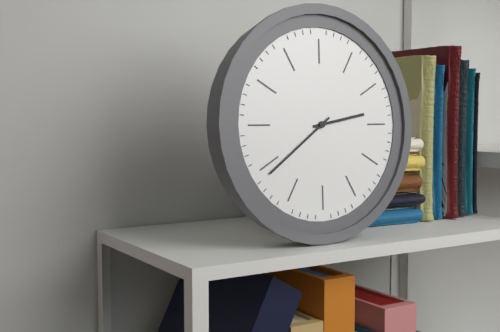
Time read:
h=2 m=39
